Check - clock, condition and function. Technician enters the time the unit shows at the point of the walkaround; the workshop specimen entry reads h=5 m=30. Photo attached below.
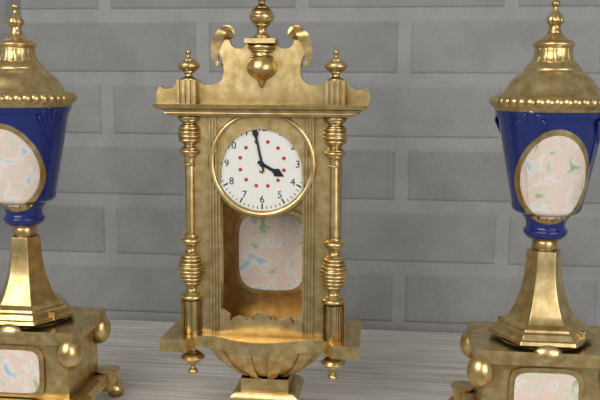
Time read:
h=3 m=58
